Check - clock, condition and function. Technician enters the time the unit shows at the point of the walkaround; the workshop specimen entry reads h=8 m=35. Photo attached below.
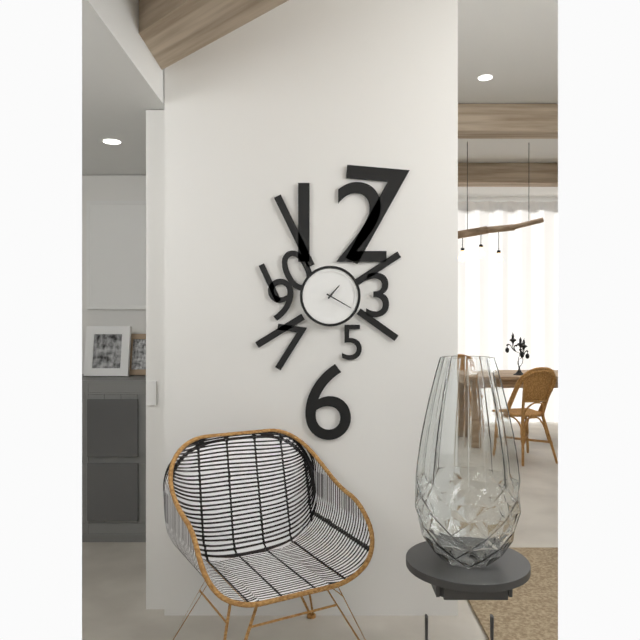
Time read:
h=1 m=20
